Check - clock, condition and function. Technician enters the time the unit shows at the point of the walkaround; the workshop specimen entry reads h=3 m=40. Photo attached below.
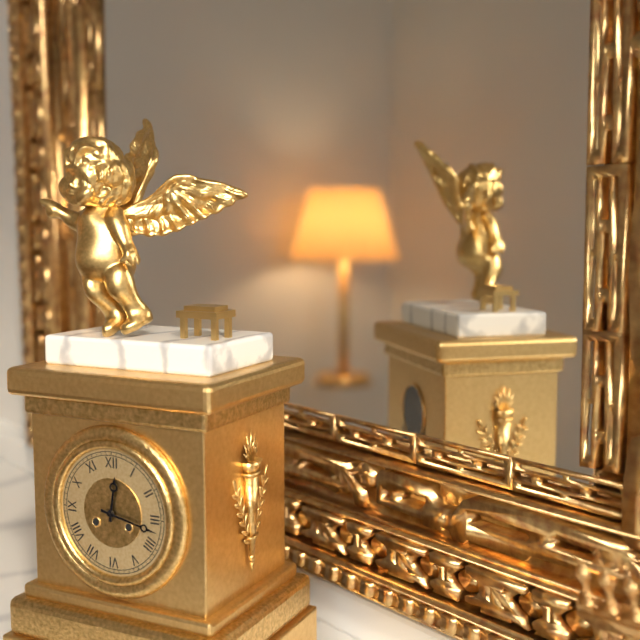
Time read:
h=12 m=17
